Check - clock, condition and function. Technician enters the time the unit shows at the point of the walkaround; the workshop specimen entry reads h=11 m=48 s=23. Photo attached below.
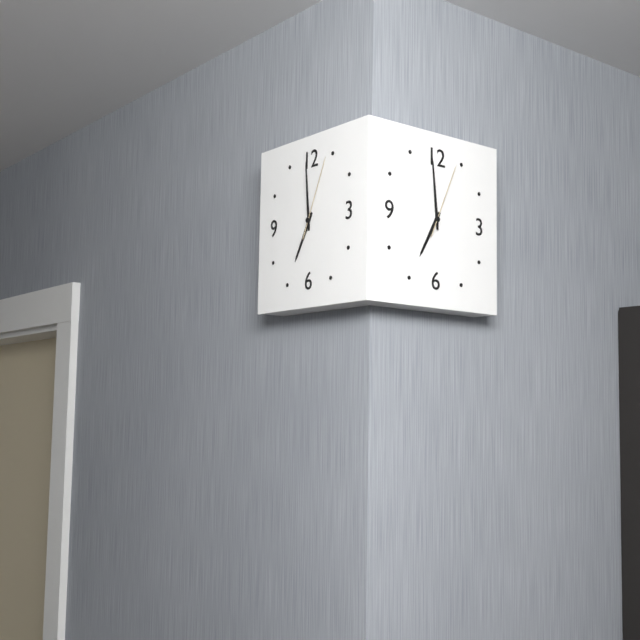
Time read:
h=6 m=59 s=4
